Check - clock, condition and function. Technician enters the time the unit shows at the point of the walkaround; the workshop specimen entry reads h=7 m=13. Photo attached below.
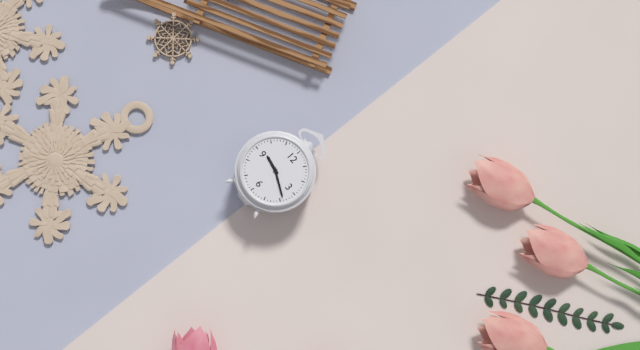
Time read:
h=9 m=19
